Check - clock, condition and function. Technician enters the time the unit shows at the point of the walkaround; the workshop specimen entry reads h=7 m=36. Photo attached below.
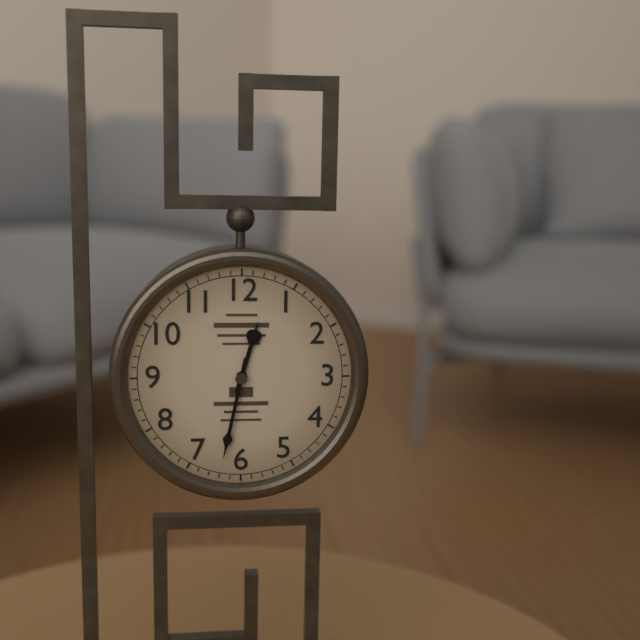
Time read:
h=12 m=32
